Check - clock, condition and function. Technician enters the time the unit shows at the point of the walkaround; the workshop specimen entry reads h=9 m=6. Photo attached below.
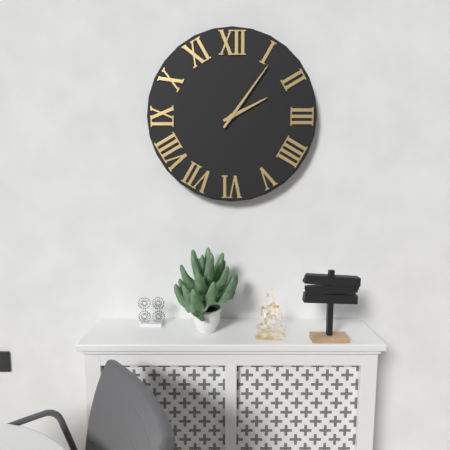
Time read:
h=2 m=6
